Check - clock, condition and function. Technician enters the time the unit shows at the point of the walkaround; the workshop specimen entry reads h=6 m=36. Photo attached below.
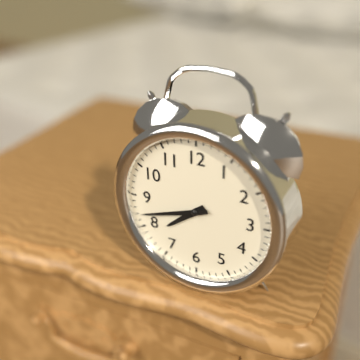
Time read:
h=7 m=42
